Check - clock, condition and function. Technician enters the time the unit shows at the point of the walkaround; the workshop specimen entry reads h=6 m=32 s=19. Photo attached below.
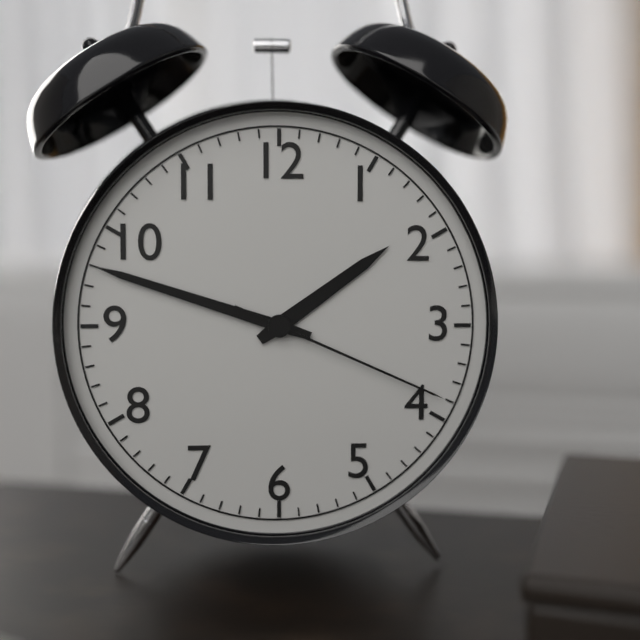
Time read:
h=1 m=48 s=19
